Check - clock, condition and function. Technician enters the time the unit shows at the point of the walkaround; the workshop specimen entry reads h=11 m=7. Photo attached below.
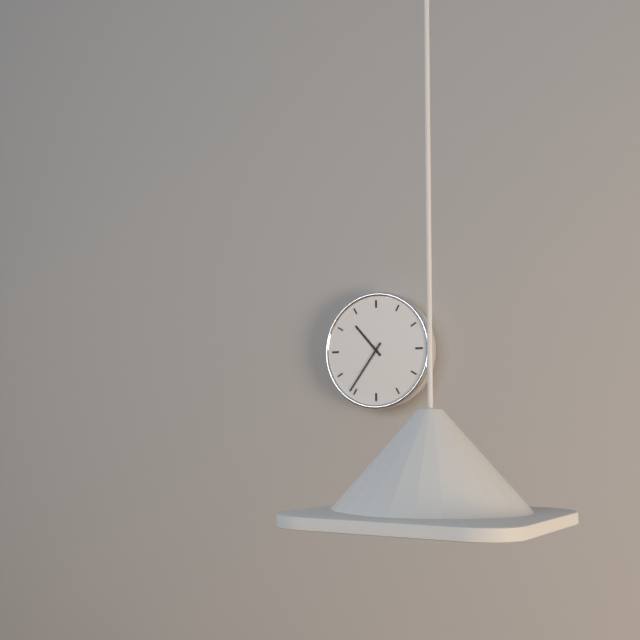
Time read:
h=10 m=36
